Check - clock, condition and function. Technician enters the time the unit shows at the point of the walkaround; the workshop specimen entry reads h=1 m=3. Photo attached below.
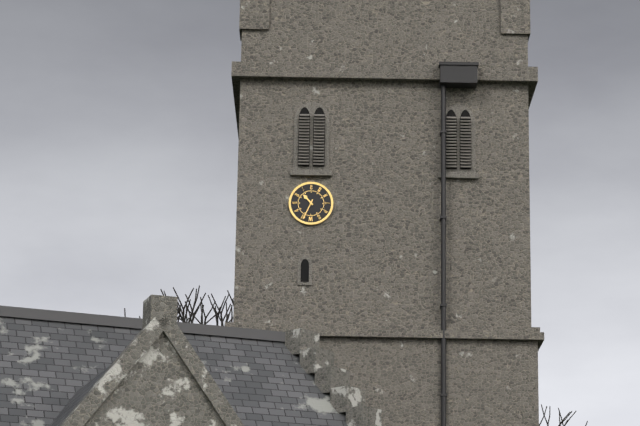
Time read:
h=10 m=34
